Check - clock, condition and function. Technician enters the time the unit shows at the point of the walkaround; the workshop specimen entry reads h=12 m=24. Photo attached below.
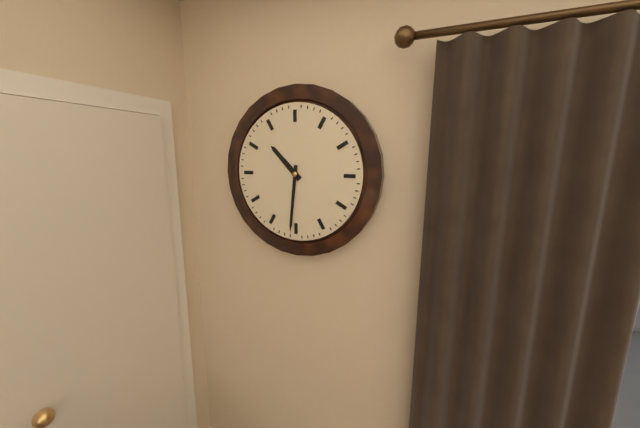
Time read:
h=10 m=31
